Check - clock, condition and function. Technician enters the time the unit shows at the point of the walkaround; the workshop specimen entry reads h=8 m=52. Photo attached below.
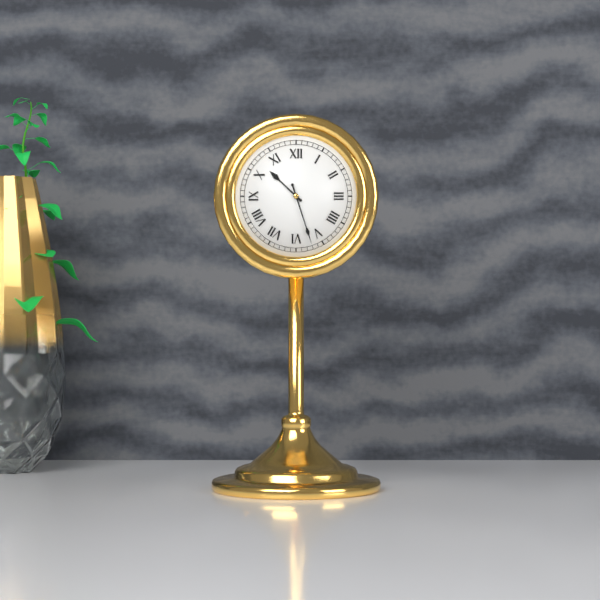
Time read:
h=10 m=27
